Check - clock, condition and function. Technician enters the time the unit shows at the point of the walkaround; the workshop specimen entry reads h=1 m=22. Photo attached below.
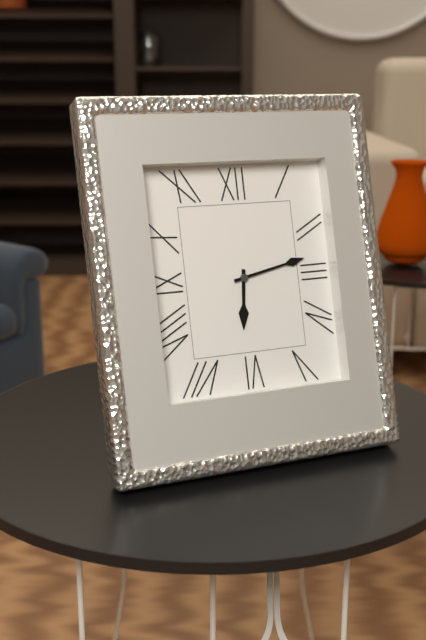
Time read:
h=6 m=13
